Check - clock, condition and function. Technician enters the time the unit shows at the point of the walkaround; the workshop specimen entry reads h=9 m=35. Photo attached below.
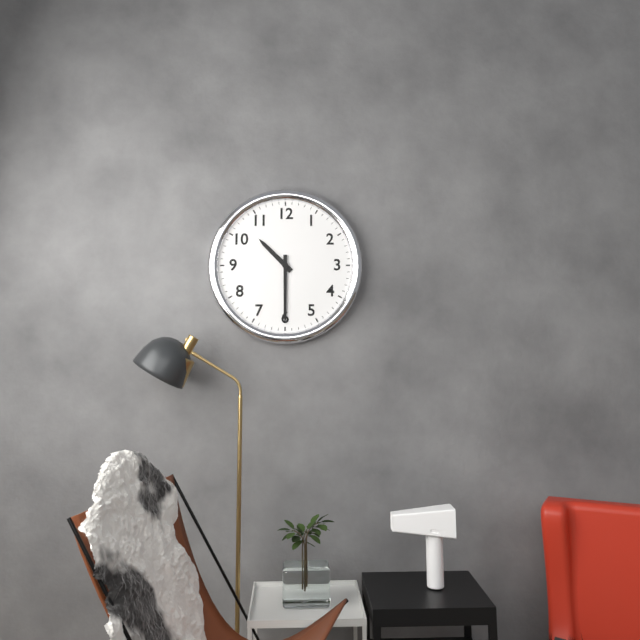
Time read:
h=10 m=30
